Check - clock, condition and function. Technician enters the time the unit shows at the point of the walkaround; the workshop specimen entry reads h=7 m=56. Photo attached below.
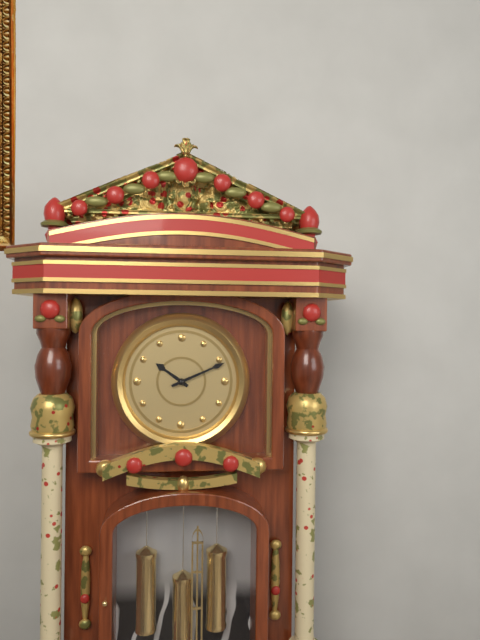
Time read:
h=10 m=11
